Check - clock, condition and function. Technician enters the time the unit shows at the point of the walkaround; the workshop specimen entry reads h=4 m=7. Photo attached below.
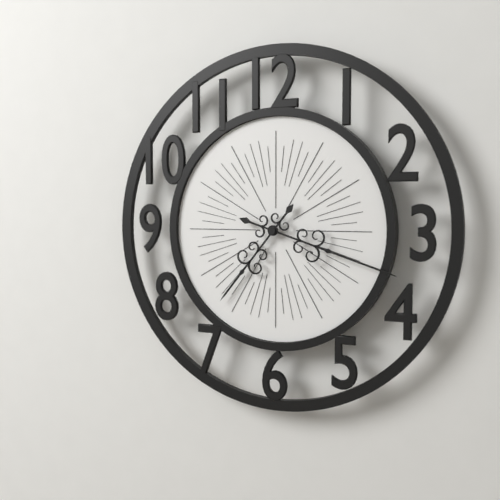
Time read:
h=7 m=18
